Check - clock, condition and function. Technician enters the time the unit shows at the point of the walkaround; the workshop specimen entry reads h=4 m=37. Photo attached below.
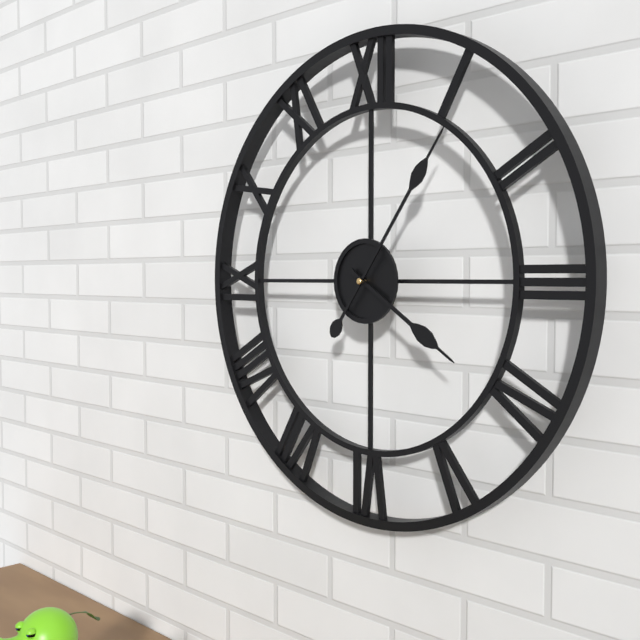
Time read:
h=4 m=6
